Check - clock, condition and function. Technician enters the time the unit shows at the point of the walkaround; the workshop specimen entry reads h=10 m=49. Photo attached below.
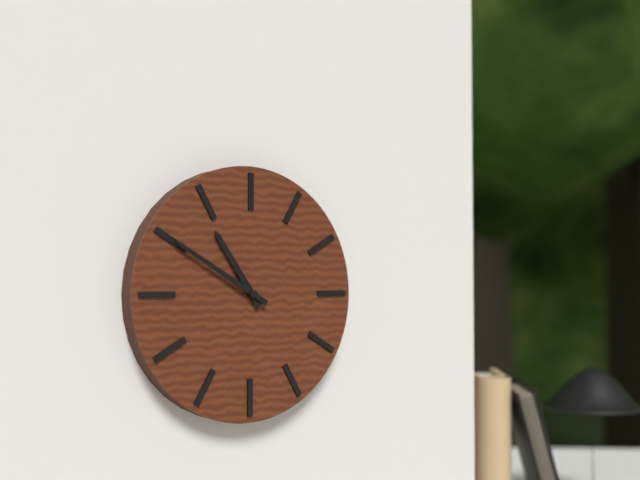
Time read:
h=10 m=50
